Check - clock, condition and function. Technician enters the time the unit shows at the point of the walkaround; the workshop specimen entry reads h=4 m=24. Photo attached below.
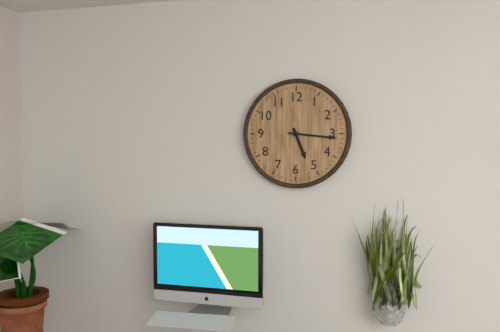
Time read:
h=5 m=16
